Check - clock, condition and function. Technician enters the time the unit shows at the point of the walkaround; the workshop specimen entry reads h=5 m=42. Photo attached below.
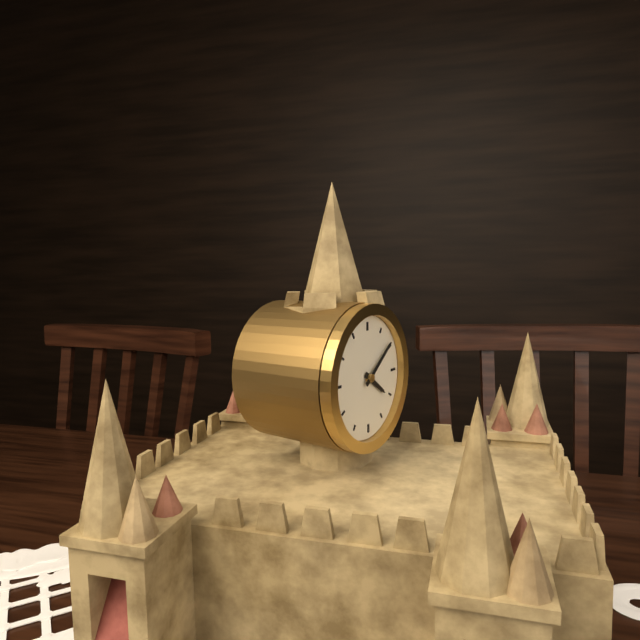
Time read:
h=4 m=9
